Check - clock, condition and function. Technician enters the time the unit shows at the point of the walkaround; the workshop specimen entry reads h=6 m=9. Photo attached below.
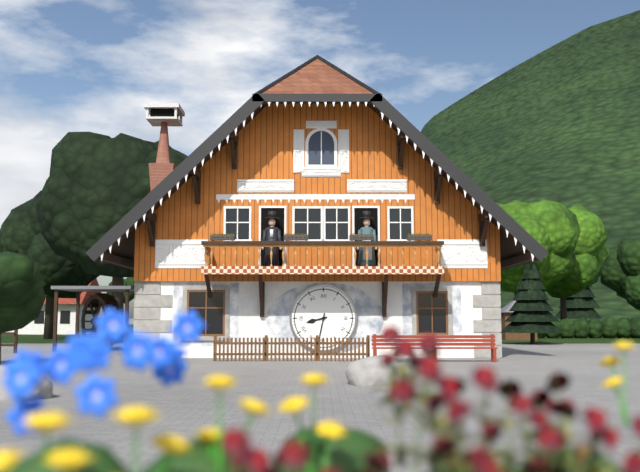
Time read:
h=8 m=32
